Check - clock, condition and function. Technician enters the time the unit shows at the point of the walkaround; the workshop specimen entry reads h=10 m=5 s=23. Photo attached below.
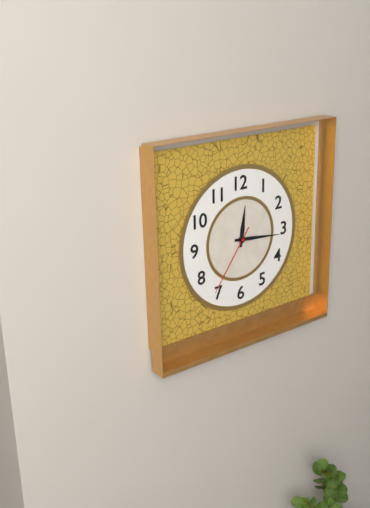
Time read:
h=12 m=16 s=36
